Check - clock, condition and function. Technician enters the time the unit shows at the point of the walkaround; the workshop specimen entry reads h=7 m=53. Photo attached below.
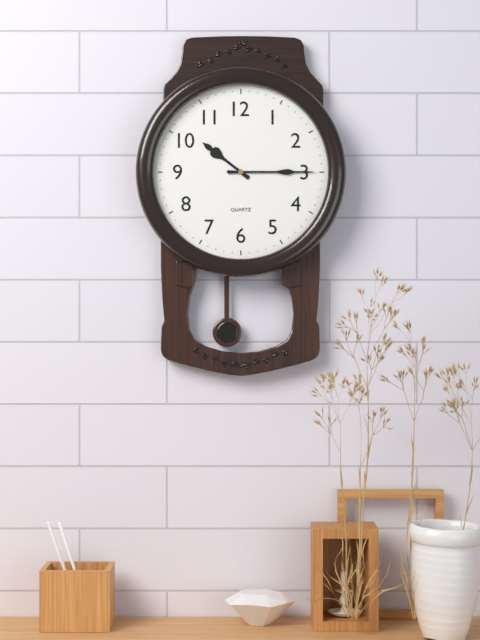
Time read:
h=10 m=15
